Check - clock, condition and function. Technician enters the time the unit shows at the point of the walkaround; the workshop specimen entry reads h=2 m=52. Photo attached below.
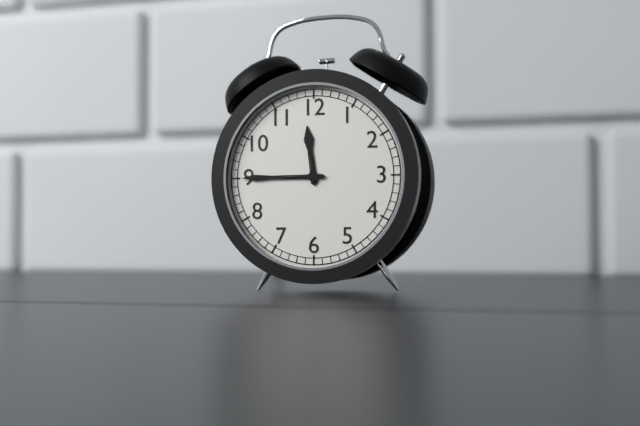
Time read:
h=11 m=45
